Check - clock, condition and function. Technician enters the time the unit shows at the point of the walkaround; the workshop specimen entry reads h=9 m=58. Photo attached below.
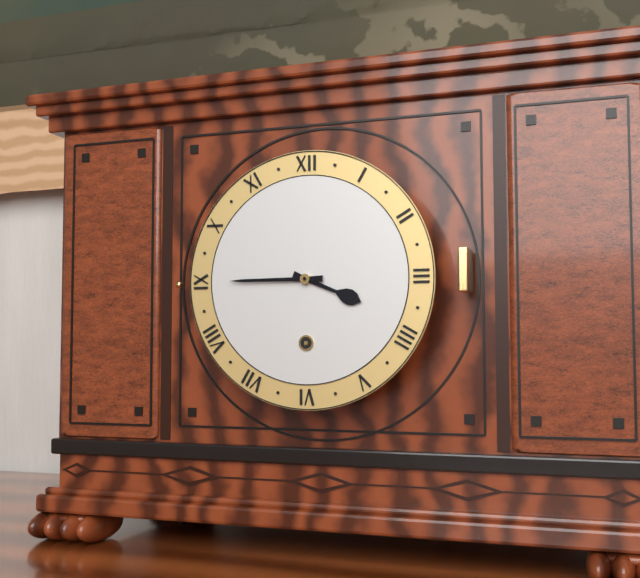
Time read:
h=3 m=45
